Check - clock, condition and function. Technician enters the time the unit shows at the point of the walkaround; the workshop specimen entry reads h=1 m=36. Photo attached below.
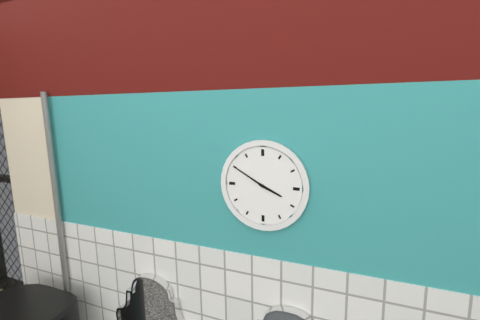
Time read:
h=3 m=50
